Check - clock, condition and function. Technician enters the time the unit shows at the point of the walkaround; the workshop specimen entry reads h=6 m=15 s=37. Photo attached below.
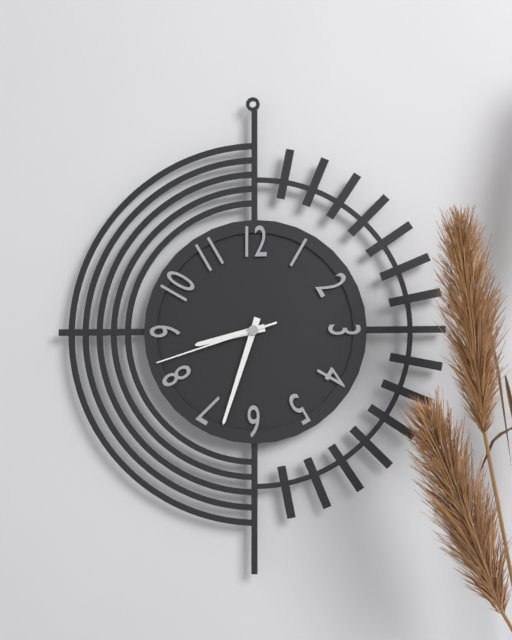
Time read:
h=8 m=33 s=42
